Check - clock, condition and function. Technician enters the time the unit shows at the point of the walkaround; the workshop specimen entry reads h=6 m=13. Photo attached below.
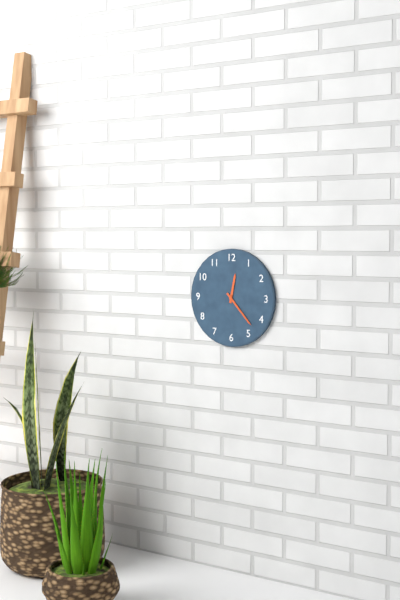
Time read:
h=12 m=23
